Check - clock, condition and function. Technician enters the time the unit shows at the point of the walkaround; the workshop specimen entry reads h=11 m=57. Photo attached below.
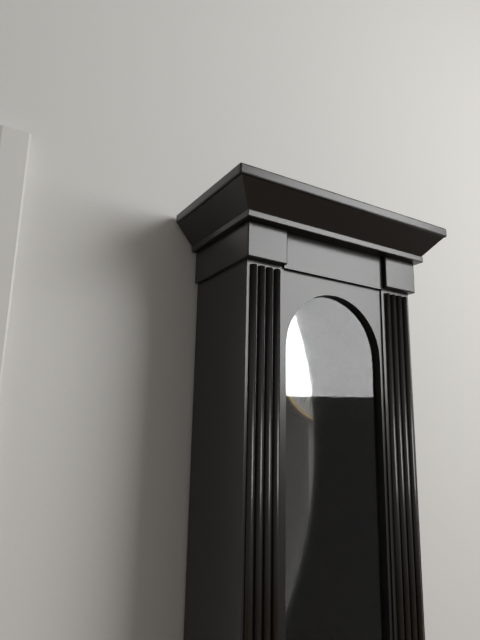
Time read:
h=11 m=25
